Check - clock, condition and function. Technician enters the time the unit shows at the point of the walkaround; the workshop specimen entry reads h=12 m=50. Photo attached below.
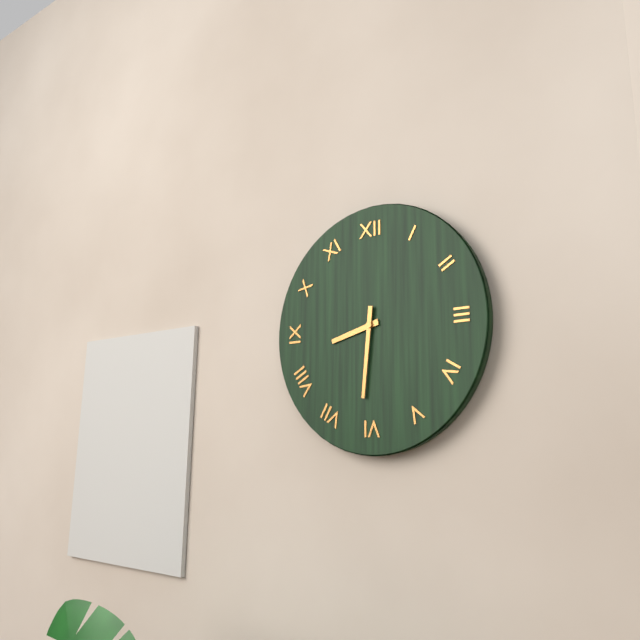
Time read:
h=8 m=31
